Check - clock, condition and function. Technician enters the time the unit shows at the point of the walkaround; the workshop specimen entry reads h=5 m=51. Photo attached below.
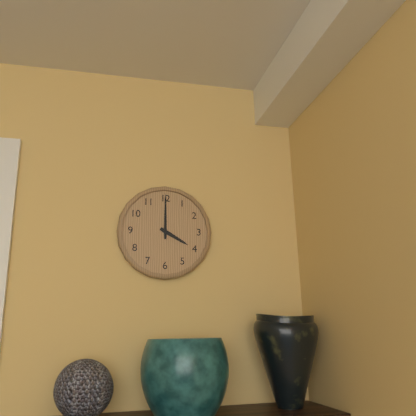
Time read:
h=4 m=0
